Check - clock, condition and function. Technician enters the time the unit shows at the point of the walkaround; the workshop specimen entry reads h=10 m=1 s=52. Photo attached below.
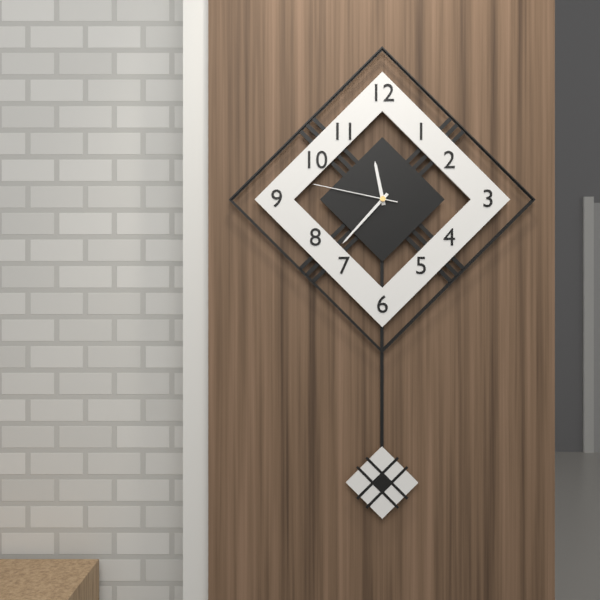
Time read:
h=11 m=37 s=47
